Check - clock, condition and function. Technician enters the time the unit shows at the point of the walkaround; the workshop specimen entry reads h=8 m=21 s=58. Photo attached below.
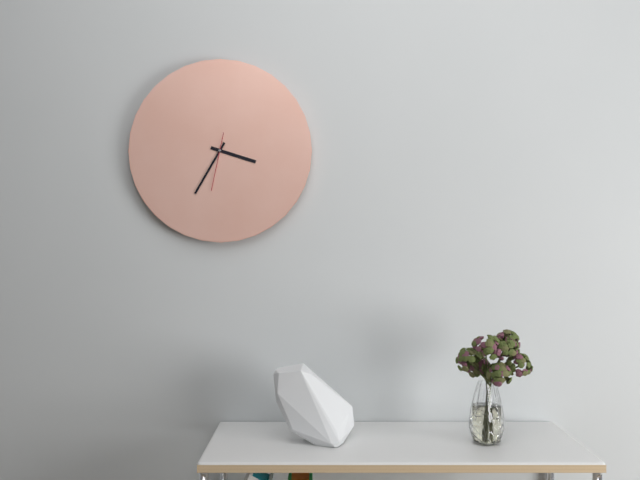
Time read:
h=3 m=35 s=32
